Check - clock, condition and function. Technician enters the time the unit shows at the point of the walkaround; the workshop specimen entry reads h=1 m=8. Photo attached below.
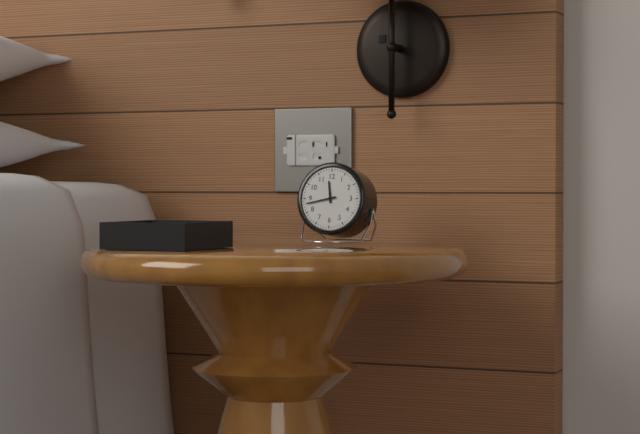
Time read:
h=11 m=43
